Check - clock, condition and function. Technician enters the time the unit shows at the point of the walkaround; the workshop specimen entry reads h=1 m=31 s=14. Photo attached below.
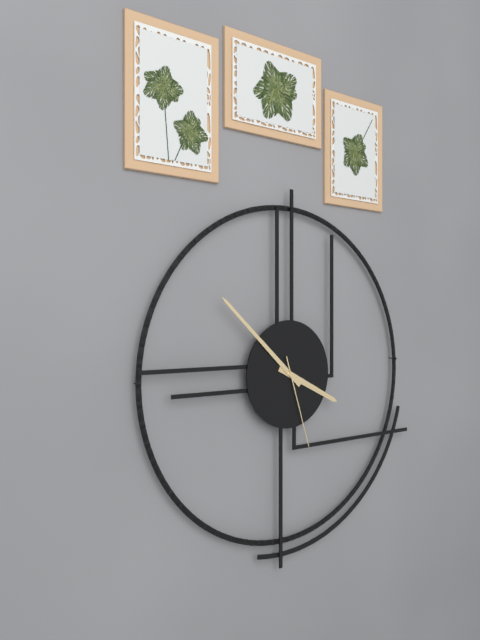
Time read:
h=3 m=52 s=27
